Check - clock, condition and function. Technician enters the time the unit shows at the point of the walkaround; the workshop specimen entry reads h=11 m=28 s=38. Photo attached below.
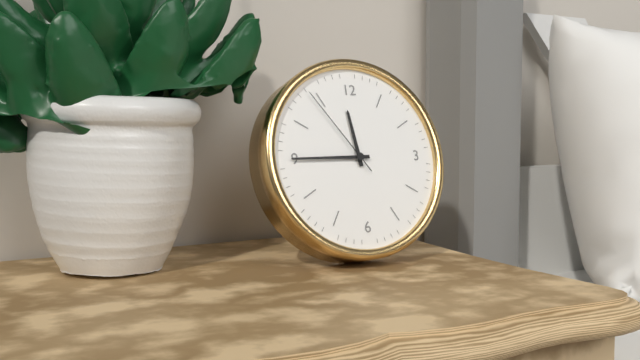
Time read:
h=11 m=45 s=54
